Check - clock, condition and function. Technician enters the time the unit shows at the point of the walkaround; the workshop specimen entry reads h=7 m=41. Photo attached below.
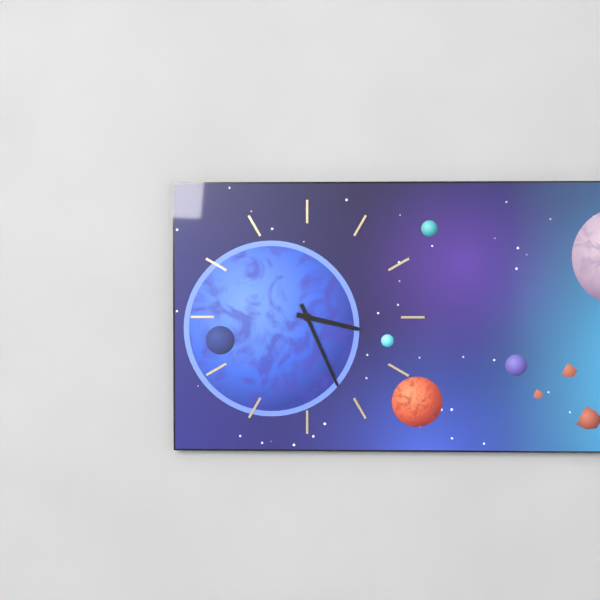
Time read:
h=3 m=26
